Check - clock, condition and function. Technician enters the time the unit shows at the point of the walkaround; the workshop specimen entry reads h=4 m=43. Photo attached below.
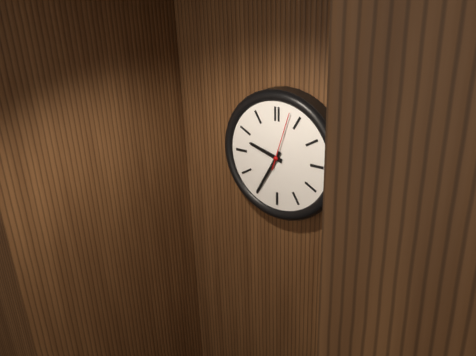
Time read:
h=9 m=35
